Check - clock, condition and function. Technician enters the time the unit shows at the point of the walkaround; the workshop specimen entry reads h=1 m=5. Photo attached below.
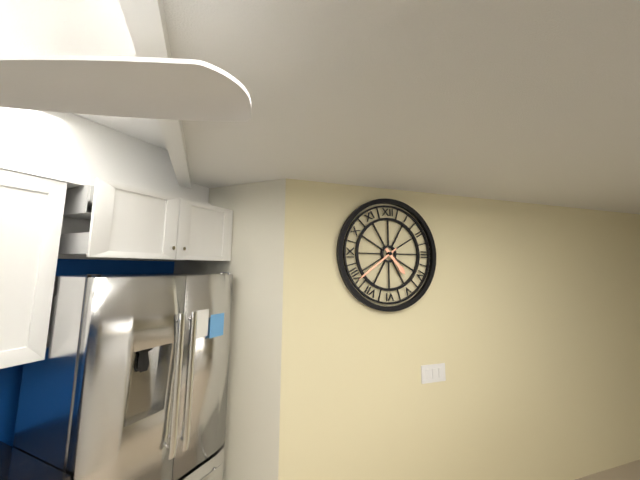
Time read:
h=4 m=39
